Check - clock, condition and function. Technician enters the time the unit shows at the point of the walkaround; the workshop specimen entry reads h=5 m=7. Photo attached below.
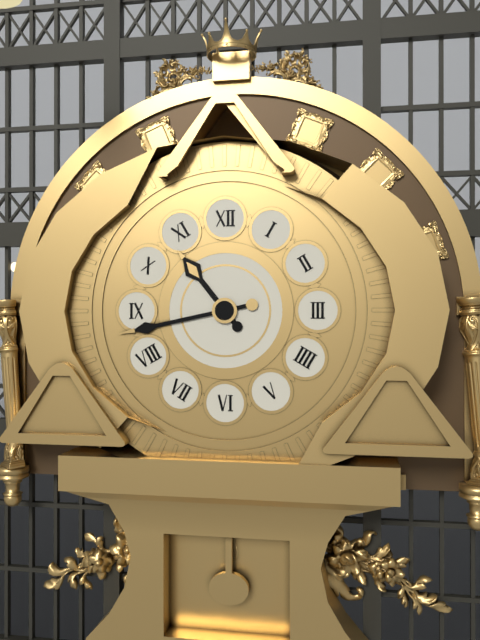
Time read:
h=10 m=43
